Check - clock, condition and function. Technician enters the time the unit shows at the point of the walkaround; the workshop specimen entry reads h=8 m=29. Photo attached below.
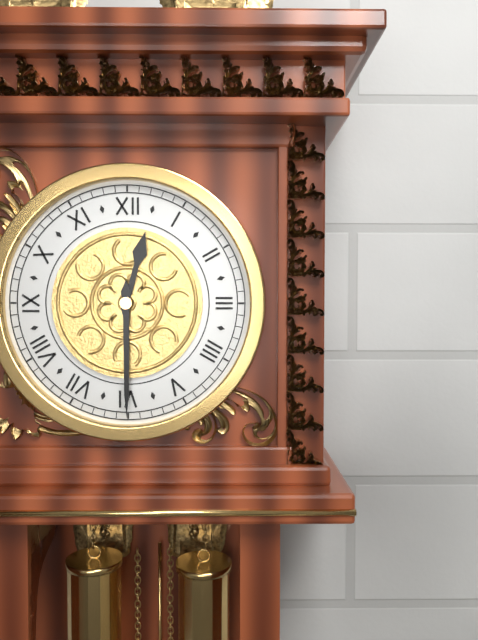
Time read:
h=12 m=30
